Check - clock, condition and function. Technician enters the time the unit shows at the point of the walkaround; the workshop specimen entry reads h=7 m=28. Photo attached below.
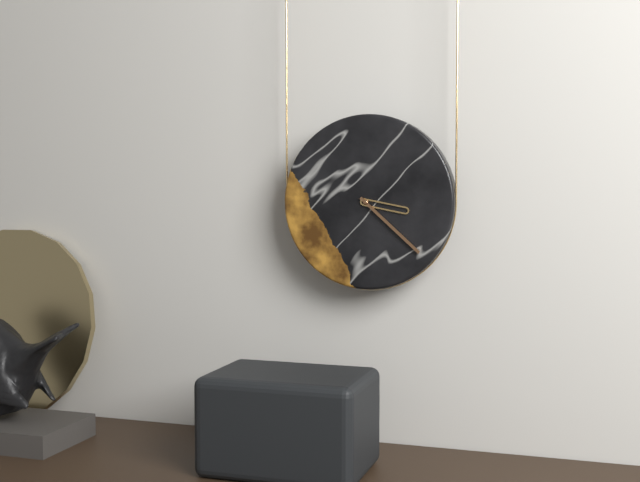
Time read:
h=3 m=22
